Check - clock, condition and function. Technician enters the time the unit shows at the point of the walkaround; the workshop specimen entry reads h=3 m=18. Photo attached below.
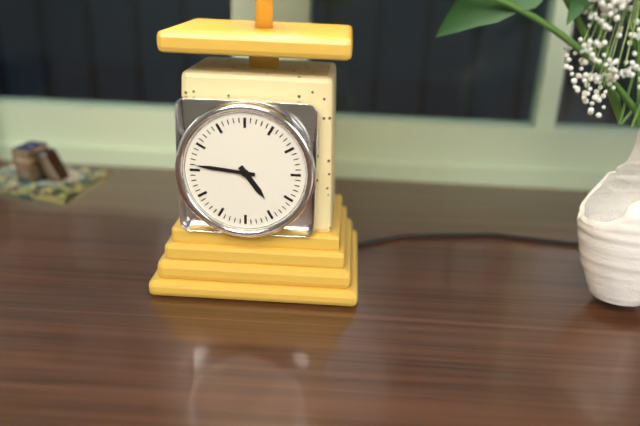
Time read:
h=4 m=46
